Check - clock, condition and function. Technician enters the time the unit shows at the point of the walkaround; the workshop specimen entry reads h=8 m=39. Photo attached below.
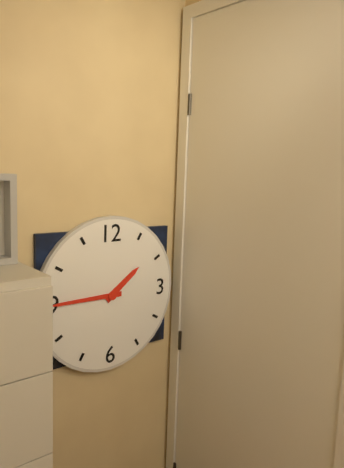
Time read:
h=1 m=45
